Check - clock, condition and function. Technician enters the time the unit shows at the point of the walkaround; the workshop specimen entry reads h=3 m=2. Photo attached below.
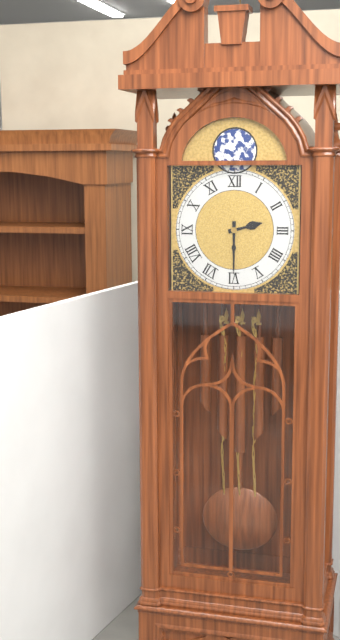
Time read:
h=2 m=30
